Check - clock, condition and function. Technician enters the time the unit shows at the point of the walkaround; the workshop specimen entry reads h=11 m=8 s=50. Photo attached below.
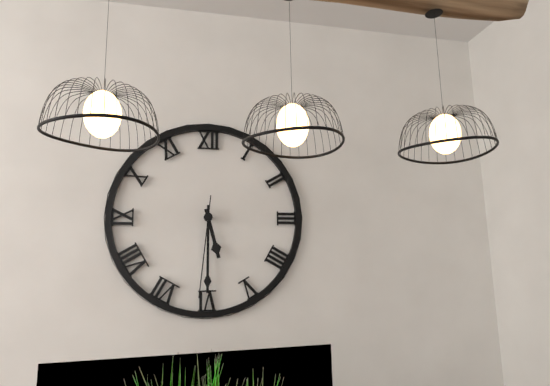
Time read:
h=5 m=30 s=31
